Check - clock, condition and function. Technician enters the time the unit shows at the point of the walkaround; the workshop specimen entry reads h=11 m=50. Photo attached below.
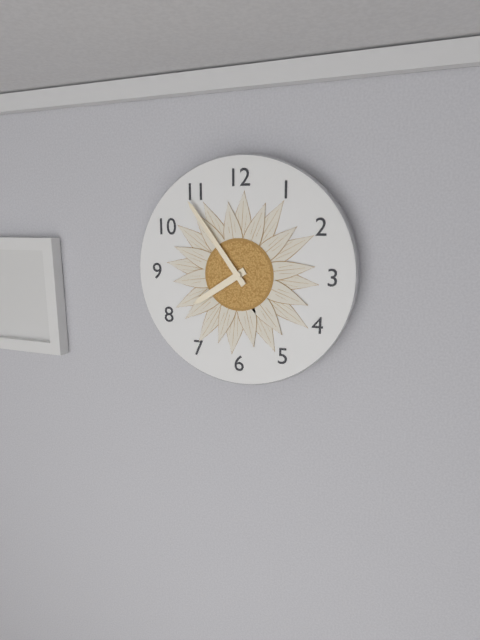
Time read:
h=7 m=54
